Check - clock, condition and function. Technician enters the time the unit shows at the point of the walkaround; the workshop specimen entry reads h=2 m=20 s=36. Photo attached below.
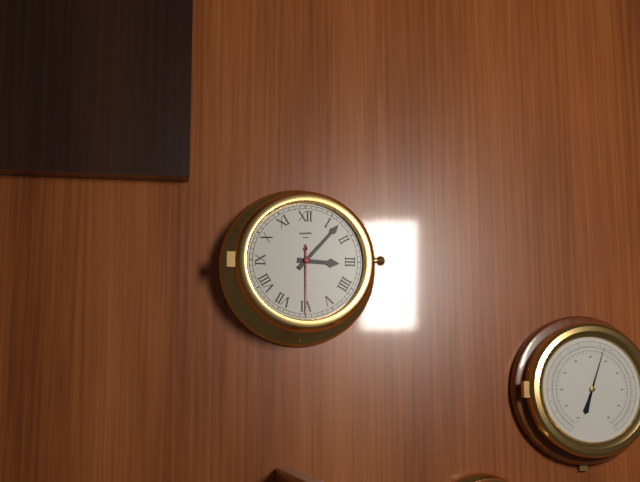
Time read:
h=3 m=7 s=30
